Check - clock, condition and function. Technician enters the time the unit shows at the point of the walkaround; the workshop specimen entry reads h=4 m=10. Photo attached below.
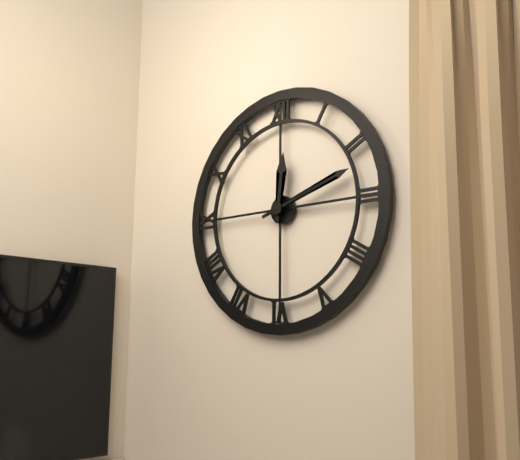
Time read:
h=12 m=12
